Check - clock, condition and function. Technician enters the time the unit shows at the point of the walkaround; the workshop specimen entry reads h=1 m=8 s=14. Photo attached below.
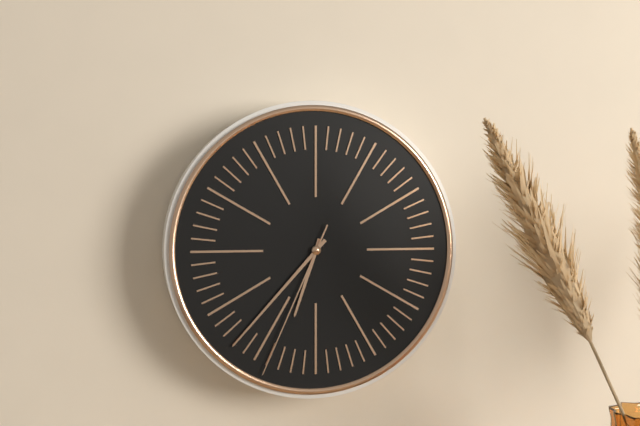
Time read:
h=6 m=37 s=34
